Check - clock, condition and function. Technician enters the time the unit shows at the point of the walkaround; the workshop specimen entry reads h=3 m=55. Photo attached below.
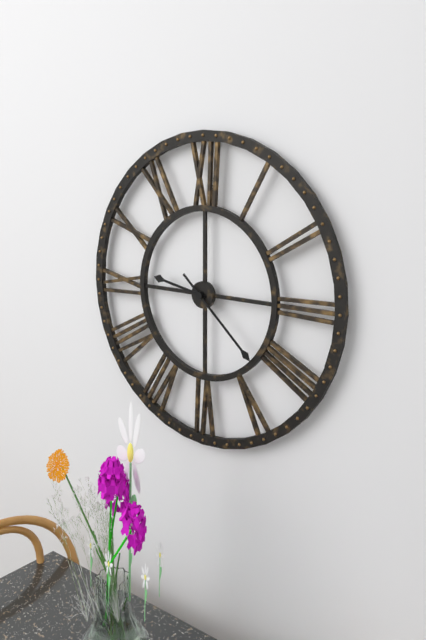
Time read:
h=9 m=22
